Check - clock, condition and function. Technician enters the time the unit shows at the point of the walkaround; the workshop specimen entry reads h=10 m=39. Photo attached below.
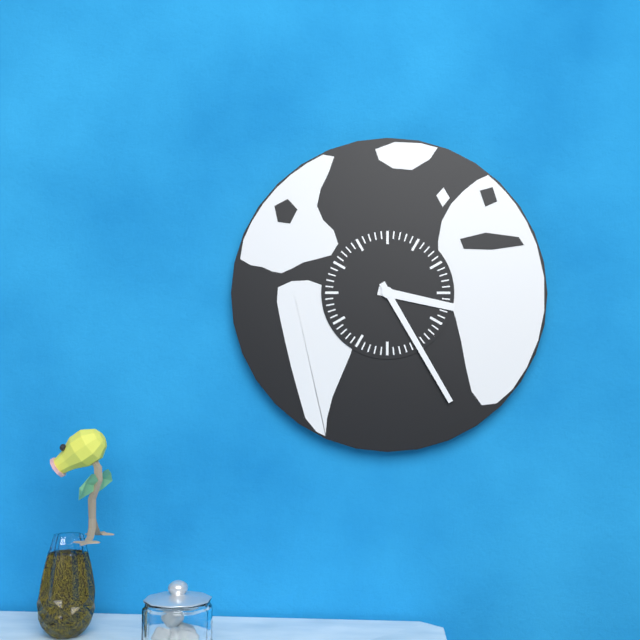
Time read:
h=3 m=25
